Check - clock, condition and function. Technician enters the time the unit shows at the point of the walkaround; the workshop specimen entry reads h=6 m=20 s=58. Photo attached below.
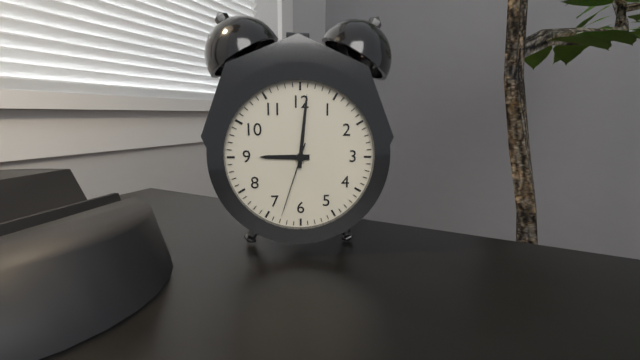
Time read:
h=9 m=1 s=33
